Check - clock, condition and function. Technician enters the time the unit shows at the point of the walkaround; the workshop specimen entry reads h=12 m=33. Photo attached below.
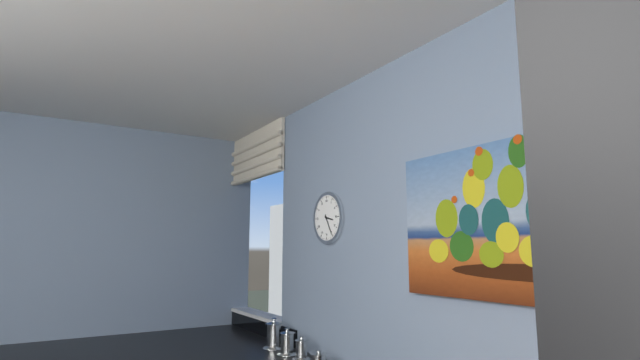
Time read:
h=3 m=25
